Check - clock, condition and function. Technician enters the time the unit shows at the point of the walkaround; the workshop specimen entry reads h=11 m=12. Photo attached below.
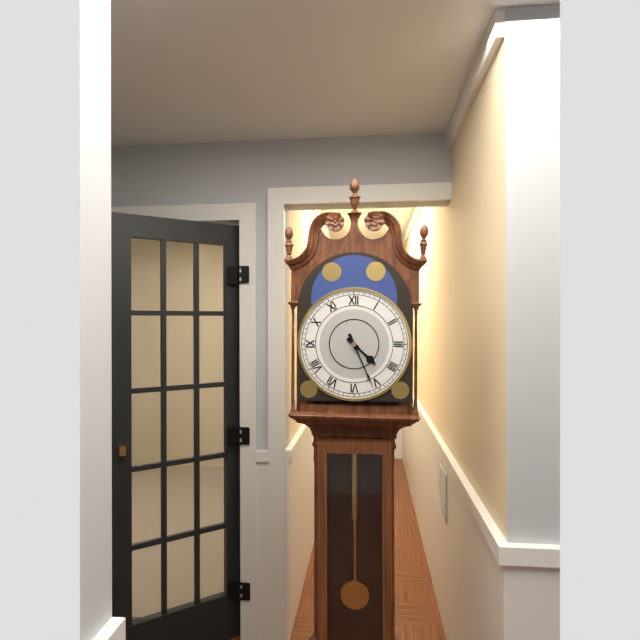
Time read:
h=4 m=26
